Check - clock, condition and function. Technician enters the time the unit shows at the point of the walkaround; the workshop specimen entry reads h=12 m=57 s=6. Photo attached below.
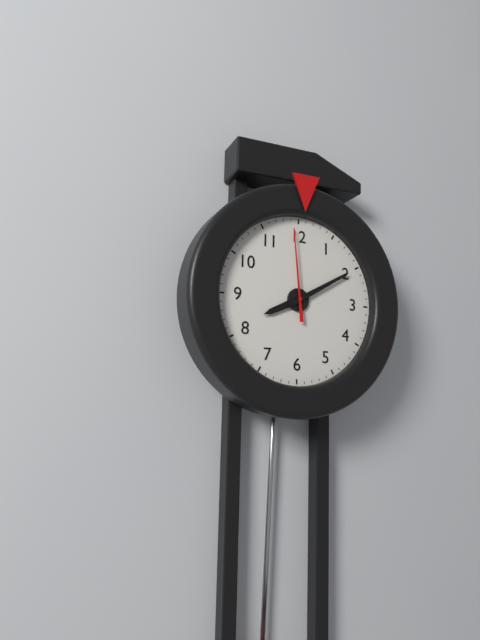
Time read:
h=8 m=10 s=59
